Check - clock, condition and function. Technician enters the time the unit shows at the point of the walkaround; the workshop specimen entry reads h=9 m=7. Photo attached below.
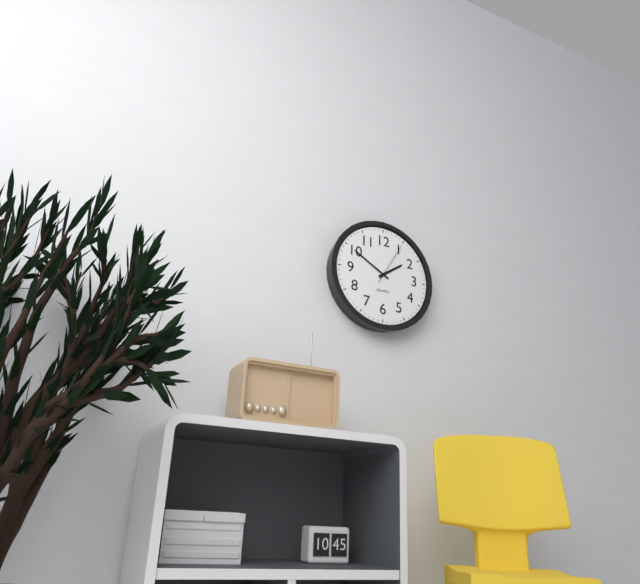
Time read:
h=1 m=50
